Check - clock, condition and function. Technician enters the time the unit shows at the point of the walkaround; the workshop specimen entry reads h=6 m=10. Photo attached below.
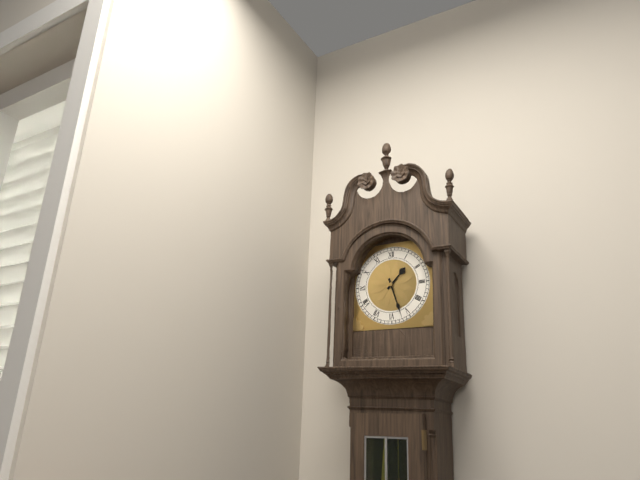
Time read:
h=1 m=27
